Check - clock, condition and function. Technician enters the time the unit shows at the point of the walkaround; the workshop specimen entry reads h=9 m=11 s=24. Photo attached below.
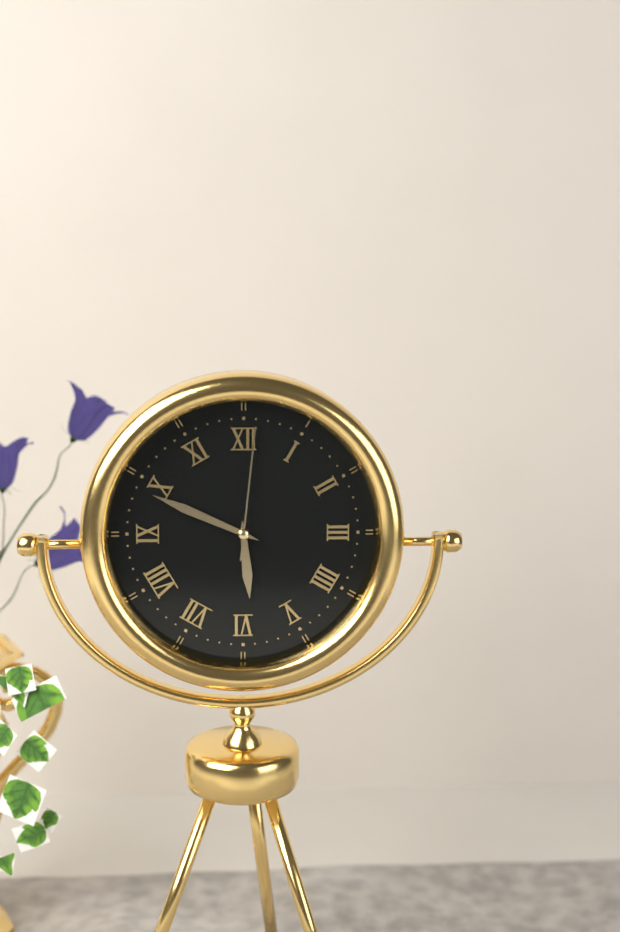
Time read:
h=5 m=49 s=1
